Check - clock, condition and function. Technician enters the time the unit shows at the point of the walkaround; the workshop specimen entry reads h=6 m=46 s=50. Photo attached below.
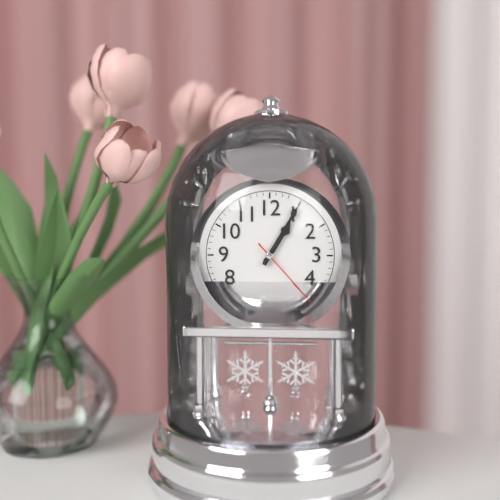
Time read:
h=1 m=5 s=23
